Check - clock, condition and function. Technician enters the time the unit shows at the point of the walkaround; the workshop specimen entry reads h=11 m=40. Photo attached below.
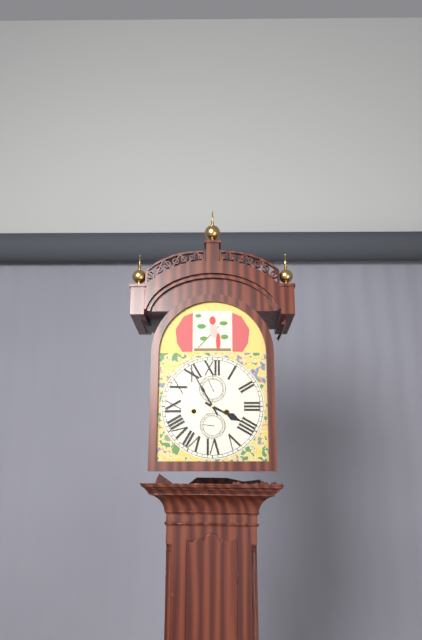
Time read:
h=3 m=55
